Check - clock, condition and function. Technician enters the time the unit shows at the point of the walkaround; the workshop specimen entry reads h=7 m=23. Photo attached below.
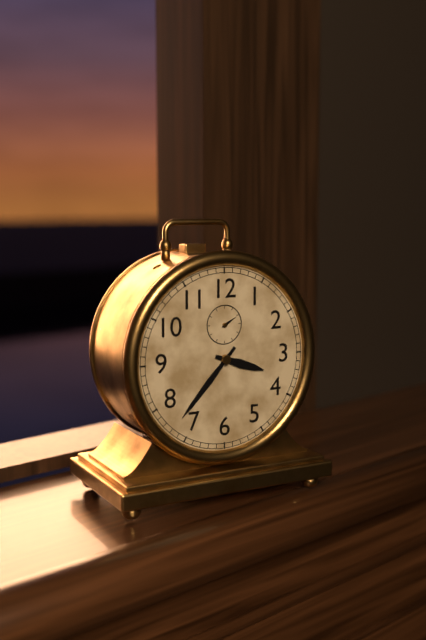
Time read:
h=3 m=37
